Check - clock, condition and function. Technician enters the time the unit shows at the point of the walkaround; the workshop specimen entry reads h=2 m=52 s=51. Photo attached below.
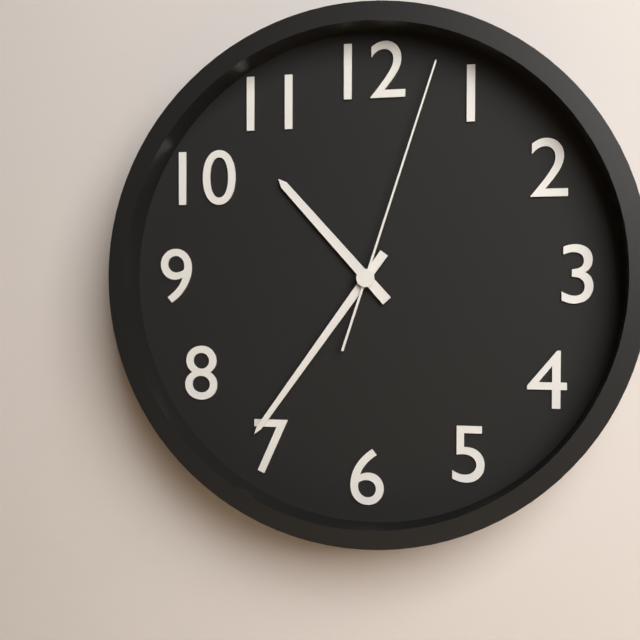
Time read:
h=10 m=36 s=3
